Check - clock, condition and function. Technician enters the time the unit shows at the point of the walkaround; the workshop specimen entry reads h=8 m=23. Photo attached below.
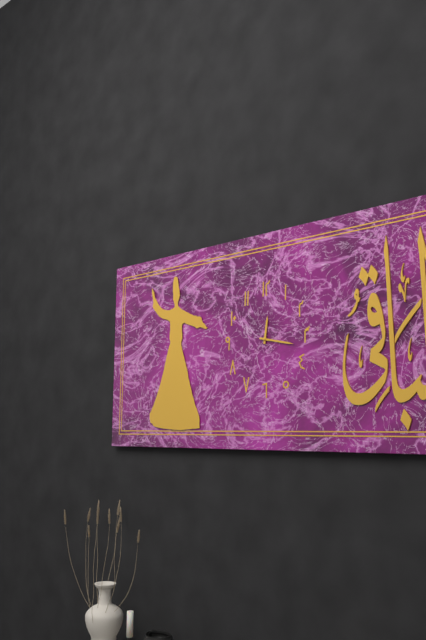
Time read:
h=12 m=17
